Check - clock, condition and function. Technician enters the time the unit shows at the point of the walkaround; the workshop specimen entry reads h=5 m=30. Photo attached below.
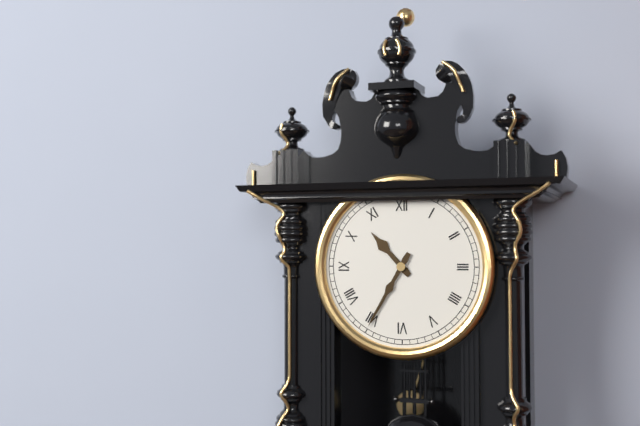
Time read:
h=10 m=35
